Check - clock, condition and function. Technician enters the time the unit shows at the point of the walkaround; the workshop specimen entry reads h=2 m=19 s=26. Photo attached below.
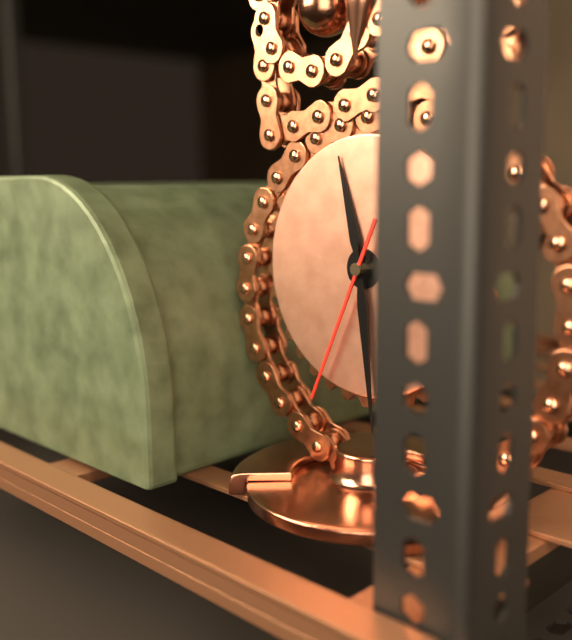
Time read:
h=11 m=29 s=34
